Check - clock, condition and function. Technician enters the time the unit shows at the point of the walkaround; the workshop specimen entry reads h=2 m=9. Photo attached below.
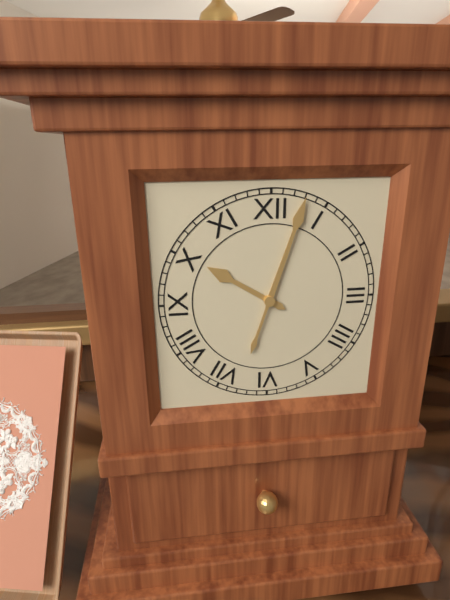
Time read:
h=10 m=3
